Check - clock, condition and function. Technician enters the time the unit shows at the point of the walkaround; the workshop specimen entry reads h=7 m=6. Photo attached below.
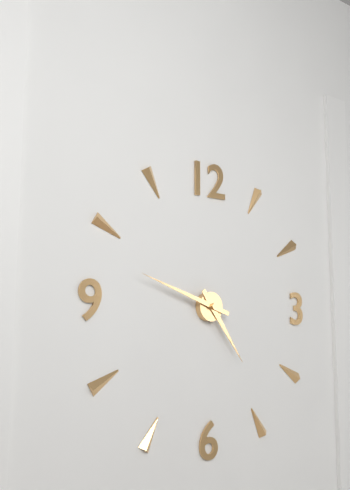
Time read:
h=4 m=48
